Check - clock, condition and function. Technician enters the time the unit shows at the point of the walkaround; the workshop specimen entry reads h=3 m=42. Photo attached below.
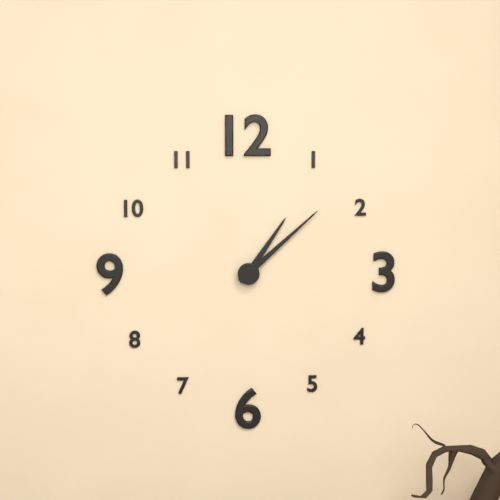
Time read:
h=1 m=8
